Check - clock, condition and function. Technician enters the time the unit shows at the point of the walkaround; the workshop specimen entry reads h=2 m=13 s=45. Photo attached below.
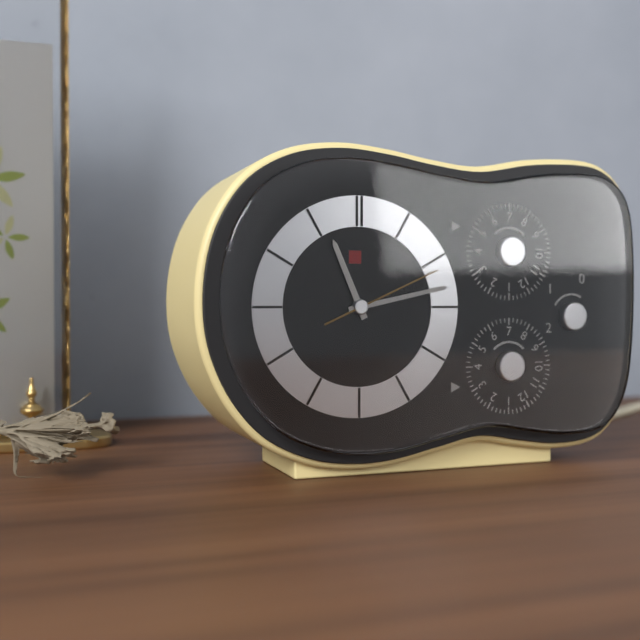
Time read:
h=11 m=13 s=11
